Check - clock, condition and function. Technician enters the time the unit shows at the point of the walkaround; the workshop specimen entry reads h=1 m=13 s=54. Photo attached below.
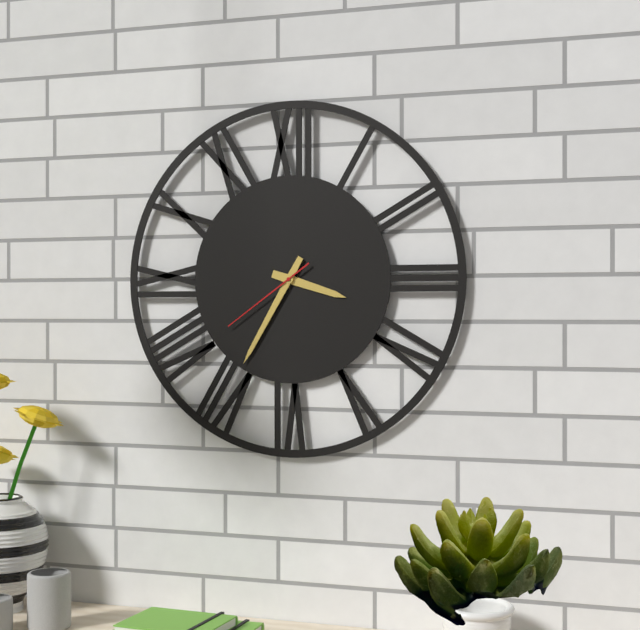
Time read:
h=3 m=35 s=39
